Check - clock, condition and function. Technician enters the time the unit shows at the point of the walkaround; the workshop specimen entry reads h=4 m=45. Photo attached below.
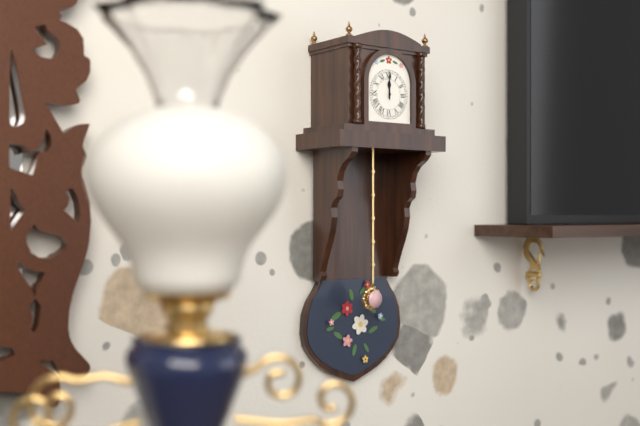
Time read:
h=12 m=0
